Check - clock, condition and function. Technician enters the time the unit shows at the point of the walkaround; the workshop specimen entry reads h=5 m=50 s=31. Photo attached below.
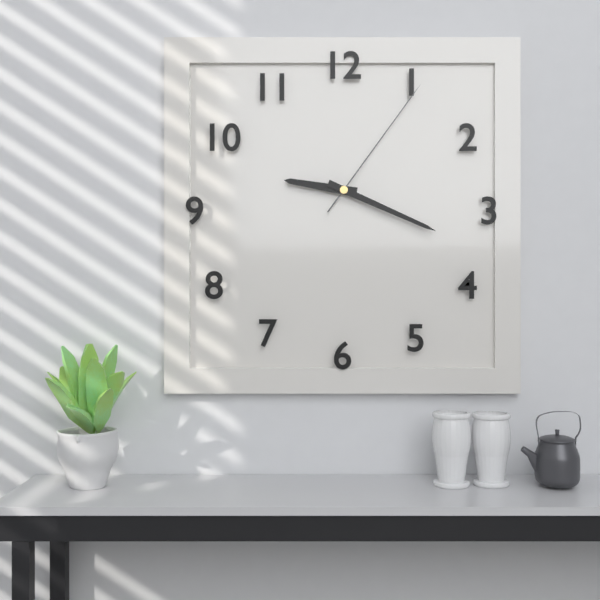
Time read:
h=9 m=19 s=6
